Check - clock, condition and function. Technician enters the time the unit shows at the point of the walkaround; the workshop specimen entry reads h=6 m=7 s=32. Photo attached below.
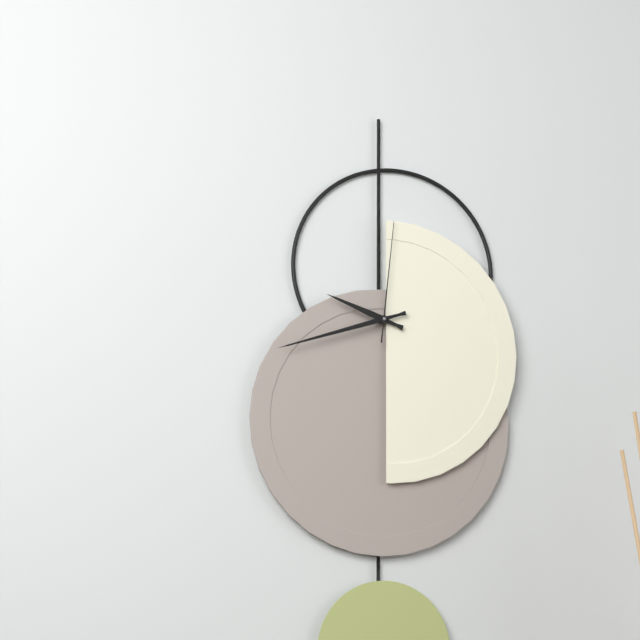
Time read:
h=9 m=42 s=1
